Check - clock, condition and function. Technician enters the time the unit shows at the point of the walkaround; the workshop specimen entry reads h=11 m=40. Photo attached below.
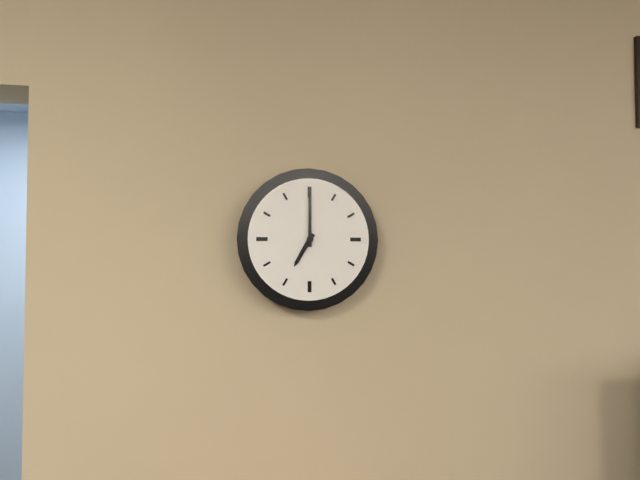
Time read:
h=7 m=0
